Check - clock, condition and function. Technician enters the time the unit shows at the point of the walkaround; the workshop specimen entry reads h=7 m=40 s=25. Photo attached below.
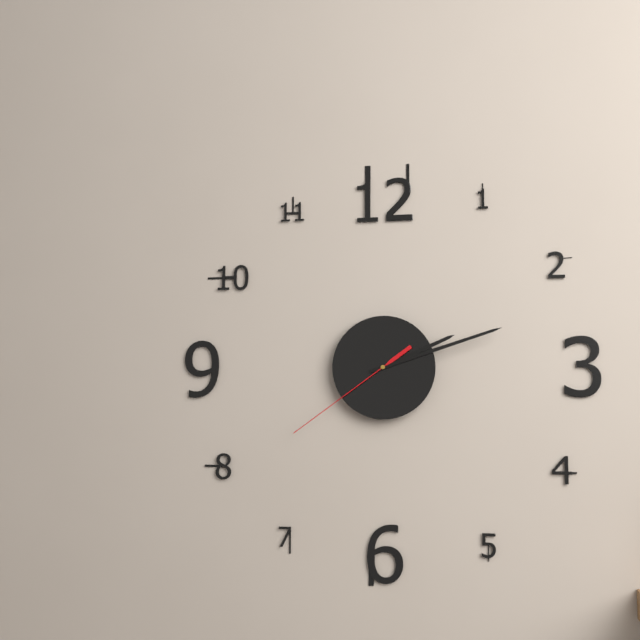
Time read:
h=2 m=12 s=39
